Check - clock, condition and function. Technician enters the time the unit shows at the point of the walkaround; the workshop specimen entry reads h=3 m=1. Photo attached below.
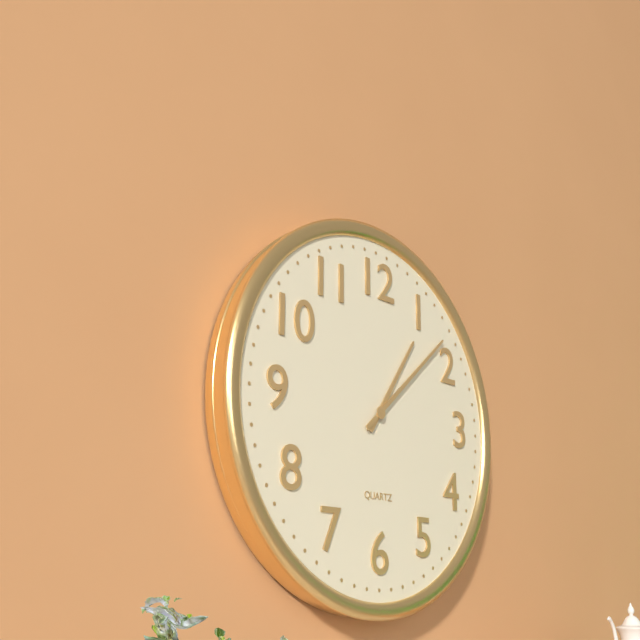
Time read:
h=1 m=8
